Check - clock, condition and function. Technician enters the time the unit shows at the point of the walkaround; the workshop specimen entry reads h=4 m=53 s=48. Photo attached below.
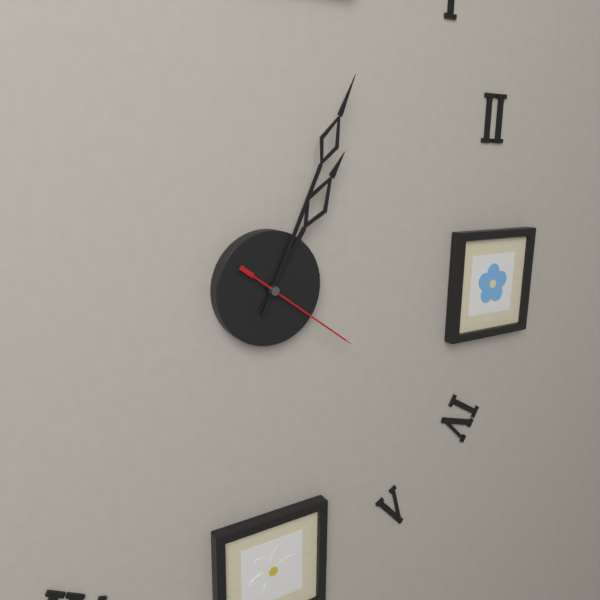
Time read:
h=1 m=4 s=21
